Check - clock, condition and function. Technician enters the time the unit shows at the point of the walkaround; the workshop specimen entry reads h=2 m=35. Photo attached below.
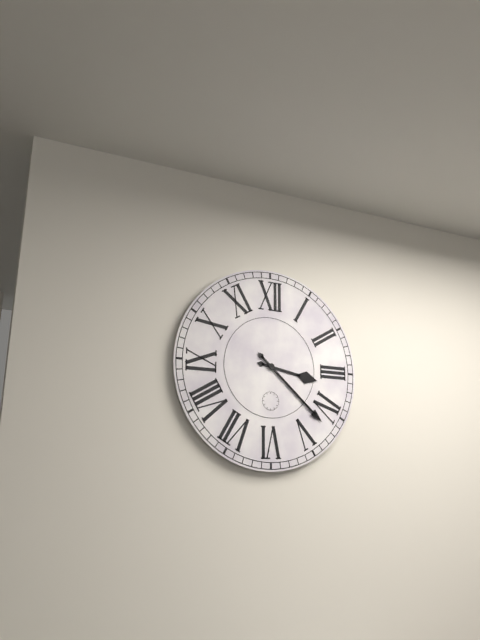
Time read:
h=3 m=22
